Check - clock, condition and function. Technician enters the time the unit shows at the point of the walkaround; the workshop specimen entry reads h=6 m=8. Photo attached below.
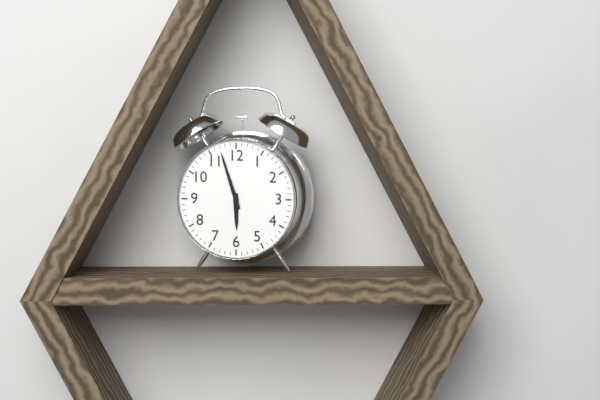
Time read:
h=5 m=57
